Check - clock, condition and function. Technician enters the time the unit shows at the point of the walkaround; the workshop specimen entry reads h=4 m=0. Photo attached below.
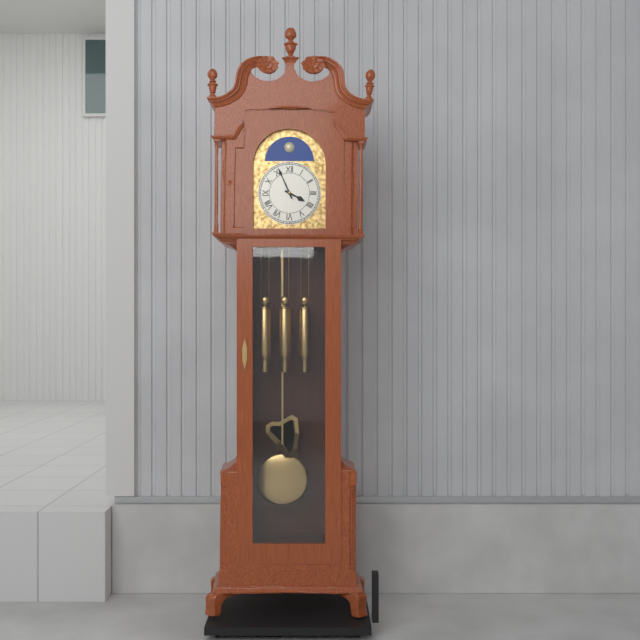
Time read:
h=3 m=56
